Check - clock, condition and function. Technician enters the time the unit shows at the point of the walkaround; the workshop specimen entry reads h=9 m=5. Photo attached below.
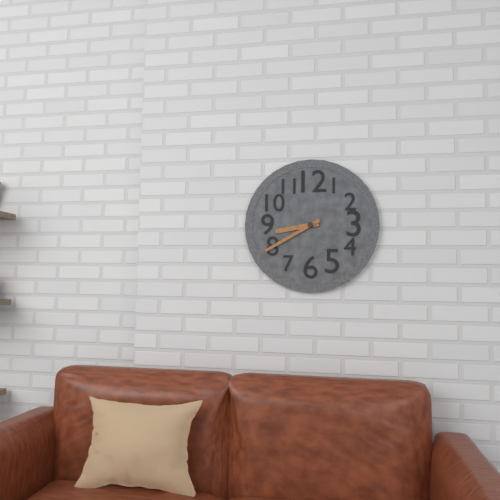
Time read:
h=8 m=40
